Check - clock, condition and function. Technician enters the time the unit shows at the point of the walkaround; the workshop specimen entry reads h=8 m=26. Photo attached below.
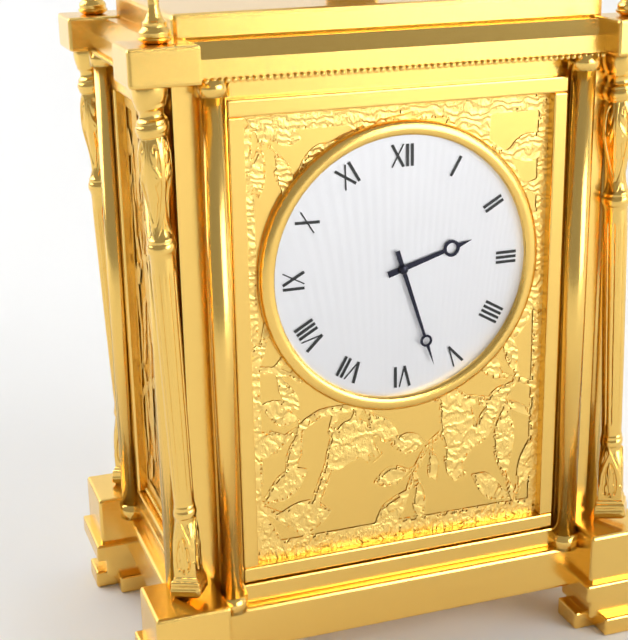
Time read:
h=2 m=27
